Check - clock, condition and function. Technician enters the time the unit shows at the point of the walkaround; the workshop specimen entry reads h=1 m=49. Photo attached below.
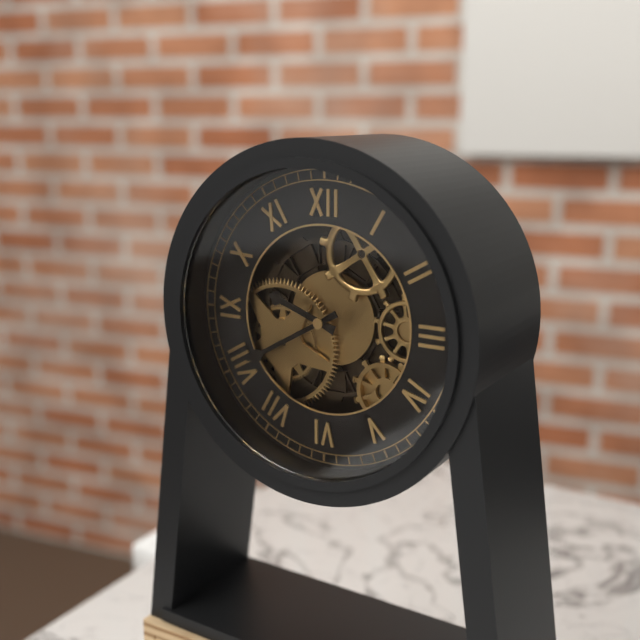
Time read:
h=9 m=40
